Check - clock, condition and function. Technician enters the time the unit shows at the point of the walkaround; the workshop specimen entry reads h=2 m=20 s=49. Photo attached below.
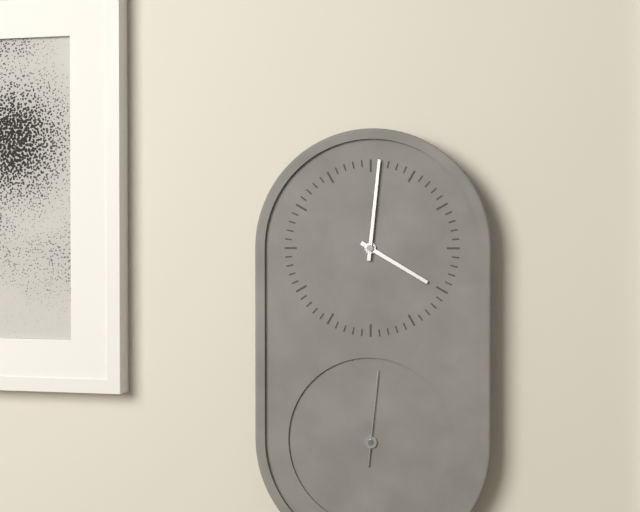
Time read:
h=4 m=1 s=1
